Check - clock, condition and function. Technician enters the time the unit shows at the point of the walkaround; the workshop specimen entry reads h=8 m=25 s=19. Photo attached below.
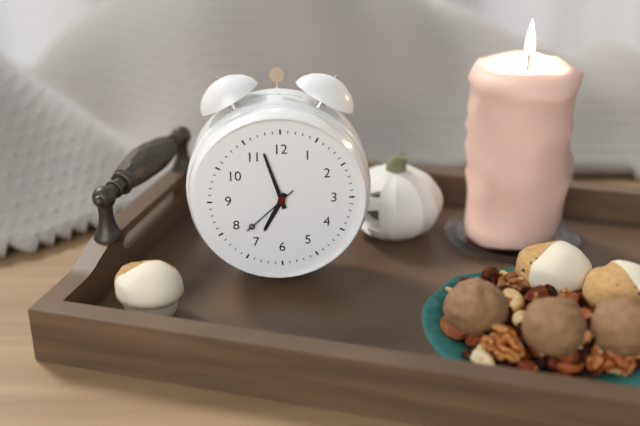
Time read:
h=6 m=57 s=38
